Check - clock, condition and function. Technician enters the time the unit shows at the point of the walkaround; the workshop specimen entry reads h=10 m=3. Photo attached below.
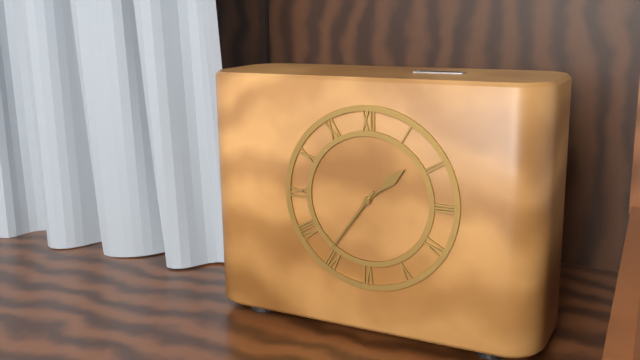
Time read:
h=1 m=36
